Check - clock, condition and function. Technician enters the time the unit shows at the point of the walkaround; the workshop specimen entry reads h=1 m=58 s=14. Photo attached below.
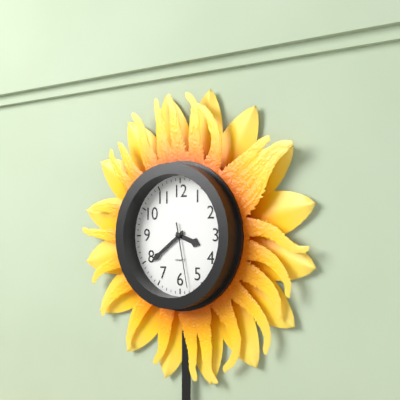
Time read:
h=3 m=39 s=28
